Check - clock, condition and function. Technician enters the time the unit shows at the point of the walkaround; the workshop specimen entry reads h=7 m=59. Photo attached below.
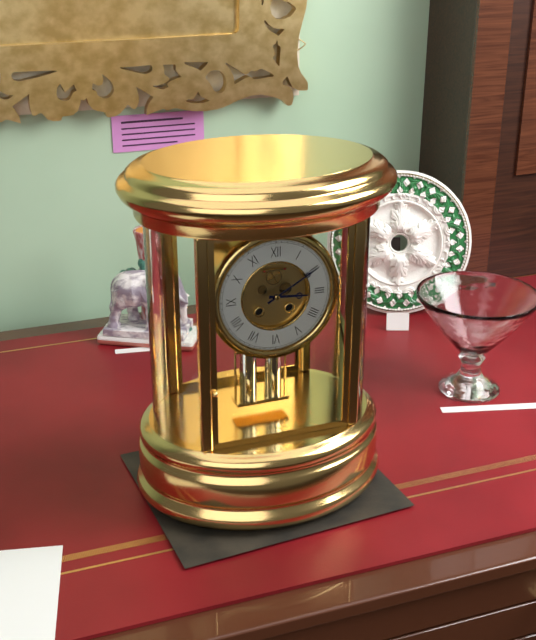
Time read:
h=3 m=10
